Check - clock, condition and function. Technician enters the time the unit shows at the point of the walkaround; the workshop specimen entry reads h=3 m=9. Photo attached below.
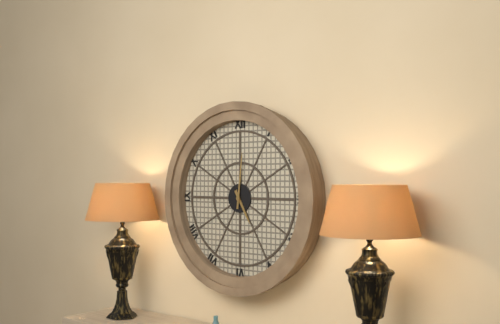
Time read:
h=5 m=1
